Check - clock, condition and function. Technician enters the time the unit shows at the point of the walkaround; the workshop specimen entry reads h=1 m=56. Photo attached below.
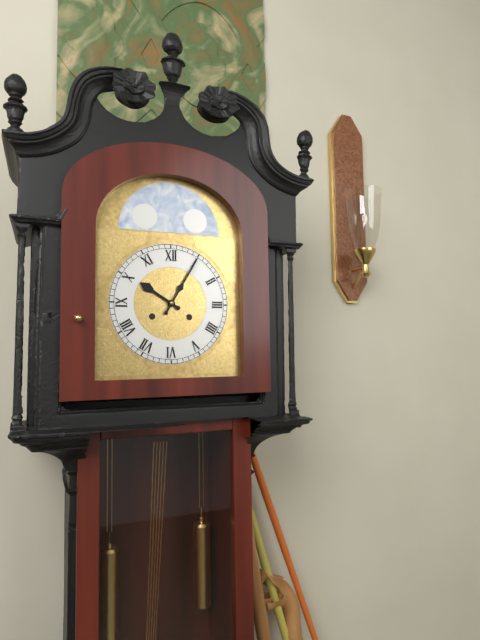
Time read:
h=10 m=5
